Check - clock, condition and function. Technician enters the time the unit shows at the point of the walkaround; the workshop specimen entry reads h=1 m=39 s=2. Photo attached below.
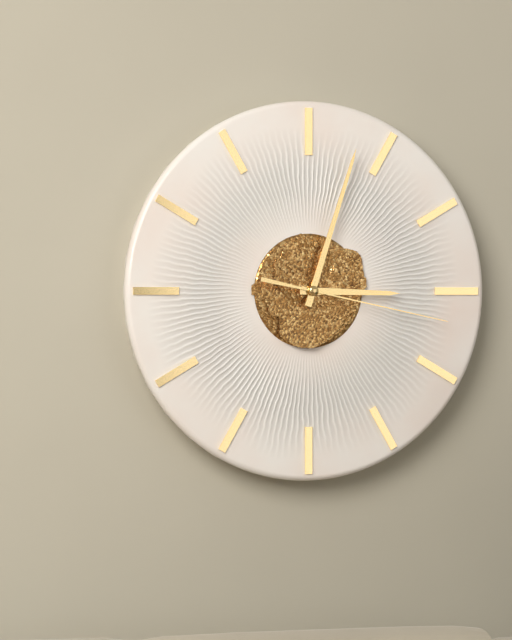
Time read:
h=3 m=3 s=17
